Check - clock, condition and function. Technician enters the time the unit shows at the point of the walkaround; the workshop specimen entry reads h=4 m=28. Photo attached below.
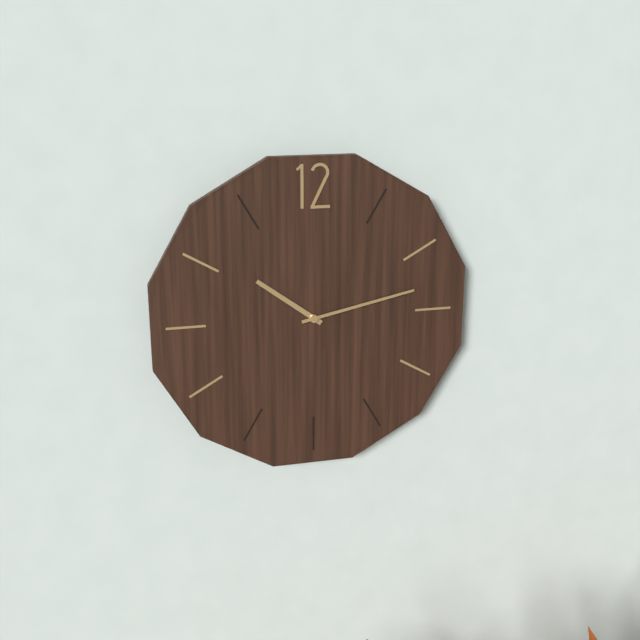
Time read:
h=10 m=13
